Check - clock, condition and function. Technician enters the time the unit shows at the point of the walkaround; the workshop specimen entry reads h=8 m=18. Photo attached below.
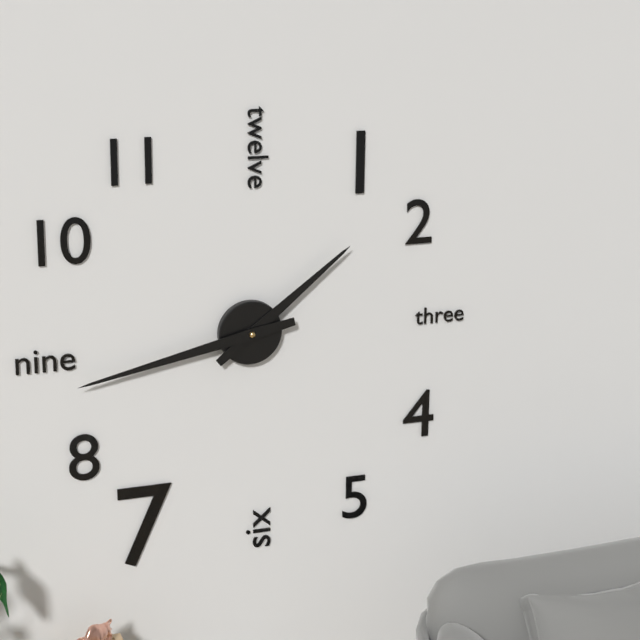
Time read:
h=1 m=43
